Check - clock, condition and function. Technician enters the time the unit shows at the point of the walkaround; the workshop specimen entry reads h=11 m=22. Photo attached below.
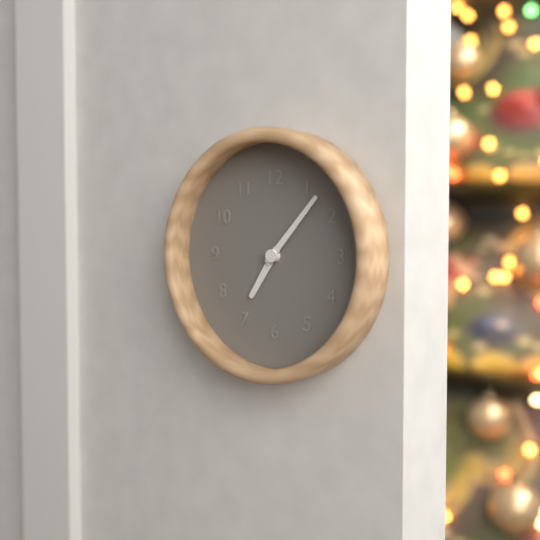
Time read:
h=7 m=7
